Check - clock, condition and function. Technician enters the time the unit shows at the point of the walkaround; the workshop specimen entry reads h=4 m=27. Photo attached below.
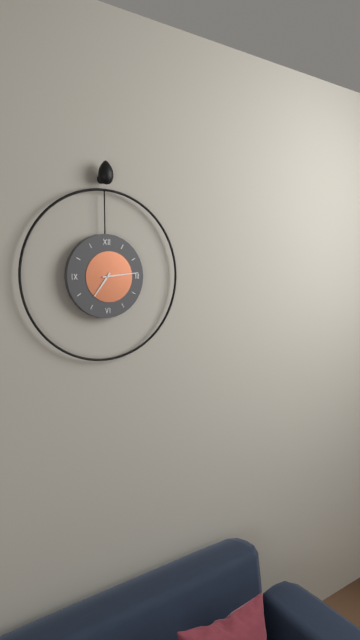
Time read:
h=7 m=14
